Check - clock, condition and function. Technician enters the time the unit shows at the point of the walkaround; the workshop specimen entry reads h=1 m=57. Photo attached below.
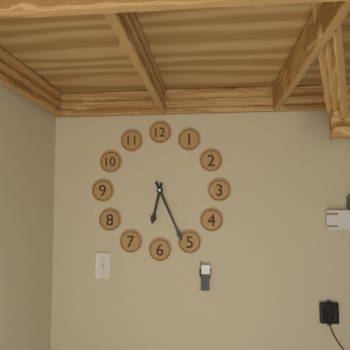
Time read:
h=6 m=26
